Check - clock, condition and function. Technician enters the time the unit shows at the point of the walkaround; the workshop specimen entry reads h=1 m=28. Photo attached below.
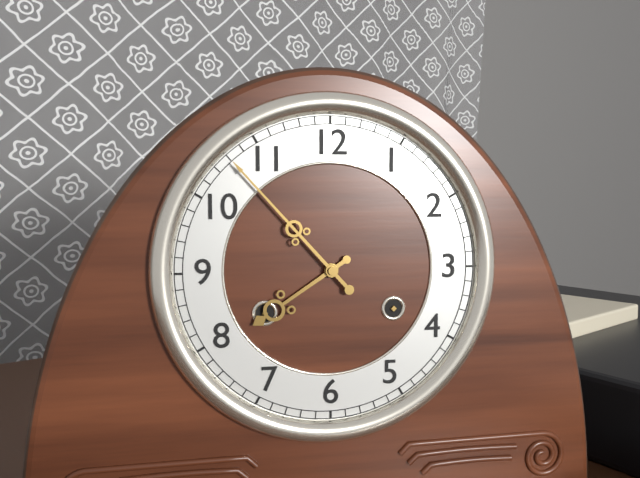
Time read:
h=7 m=53
